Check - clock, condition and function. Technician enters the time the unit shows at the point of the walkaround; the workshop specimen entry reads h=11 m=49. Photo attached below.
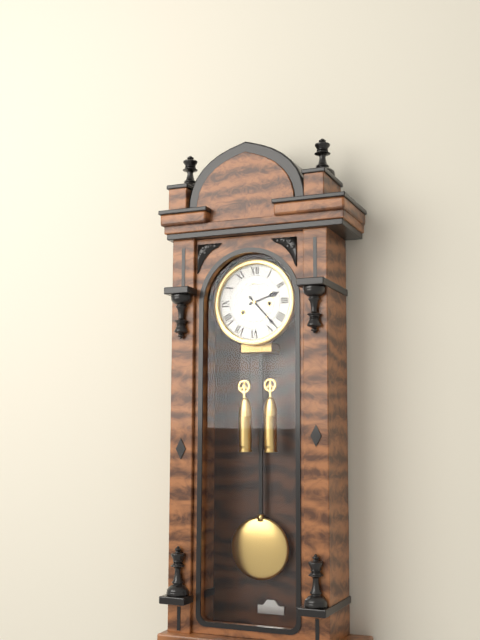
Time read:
h=2 m=23
